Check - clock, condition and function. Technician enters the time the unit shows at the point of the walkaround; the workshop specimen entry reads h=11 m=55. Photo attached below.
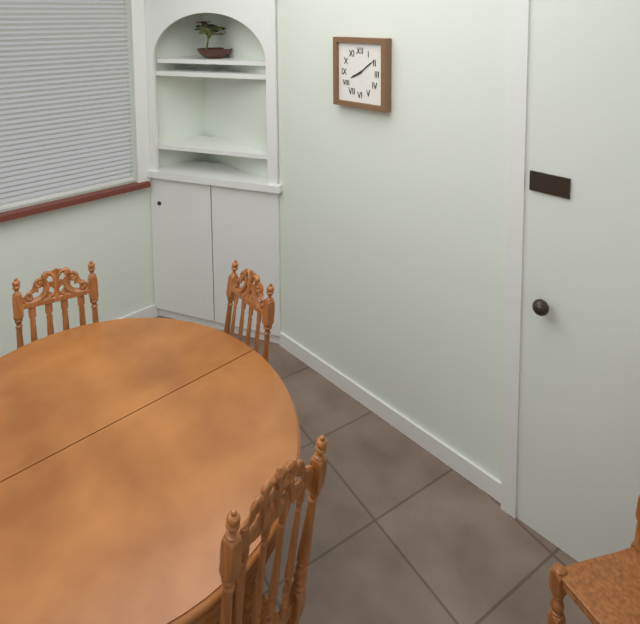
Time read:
h=8 m=9
